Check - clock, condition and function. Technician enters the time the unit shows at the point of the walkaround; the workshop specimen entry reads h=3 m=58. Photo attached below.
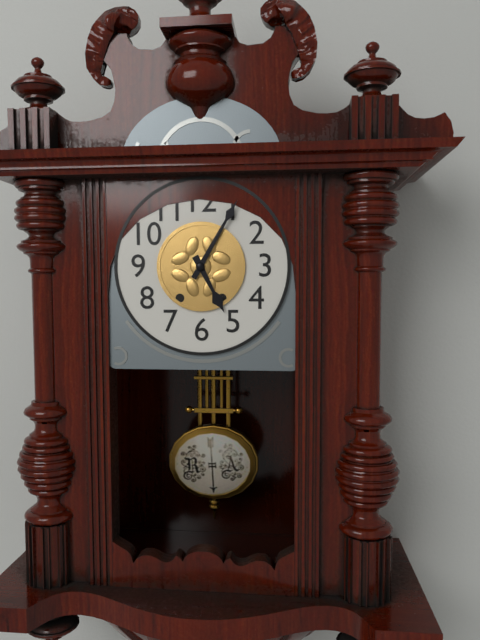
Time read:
h=5 m=5
